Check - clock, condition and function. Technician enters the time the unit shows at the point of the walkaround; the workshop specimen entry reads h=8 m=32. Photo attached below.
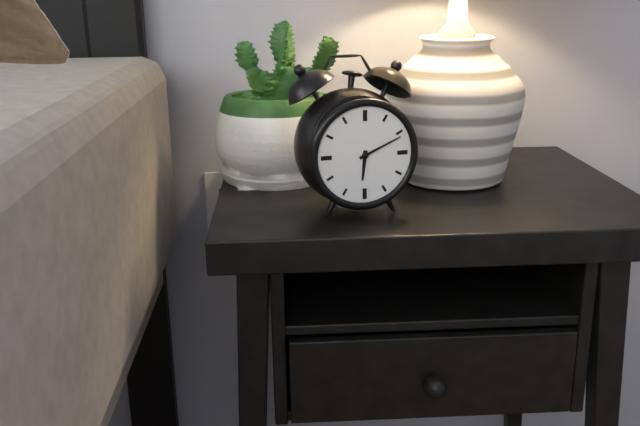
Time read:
h=6 m=11
